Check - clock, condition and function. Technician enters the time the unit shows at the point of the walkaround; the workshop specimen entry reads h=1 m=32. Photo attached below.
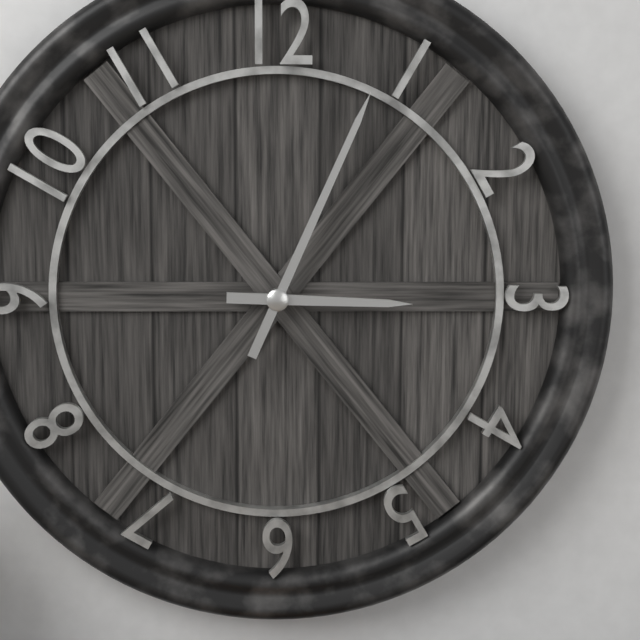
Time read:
h=3 m=4
